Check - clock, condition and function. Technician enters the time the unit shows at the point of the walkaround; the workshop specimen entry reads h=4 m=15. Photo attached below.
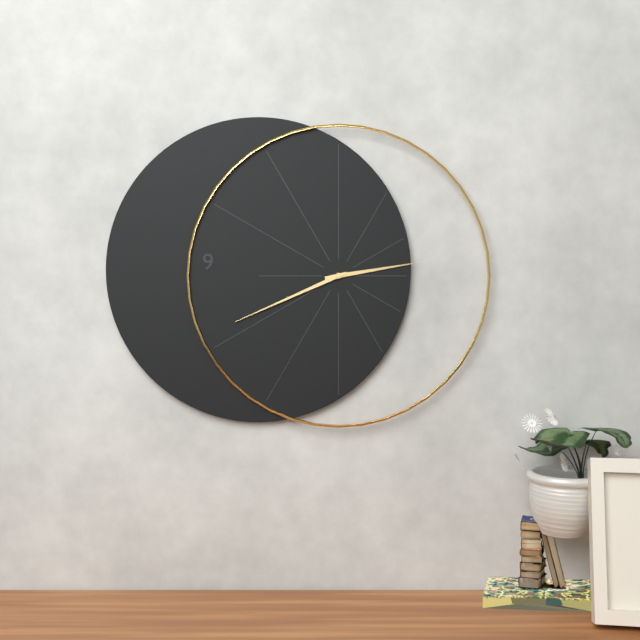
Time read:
h=2 m=41
